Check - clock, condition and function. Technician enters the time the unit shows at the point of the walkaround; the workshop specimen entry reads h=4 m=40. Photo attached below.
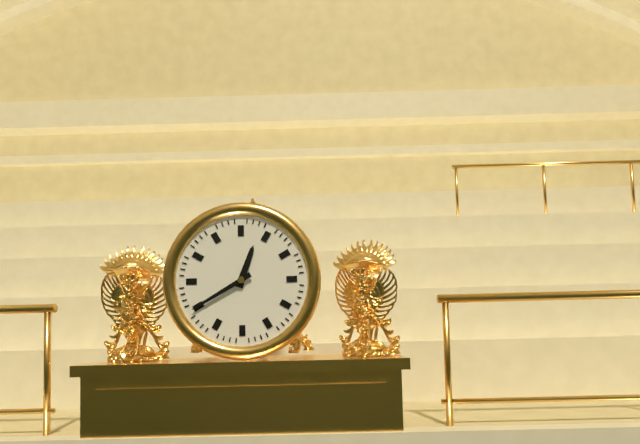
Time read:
h=12 m=40
